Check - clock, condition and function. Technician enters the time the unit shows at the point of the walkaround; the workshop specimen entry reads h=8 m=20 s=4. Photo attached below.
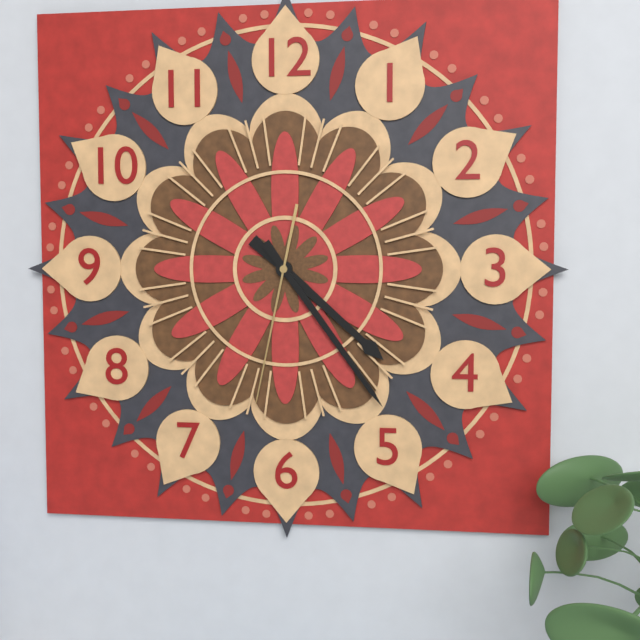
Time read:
h=4 m=24 s=32
